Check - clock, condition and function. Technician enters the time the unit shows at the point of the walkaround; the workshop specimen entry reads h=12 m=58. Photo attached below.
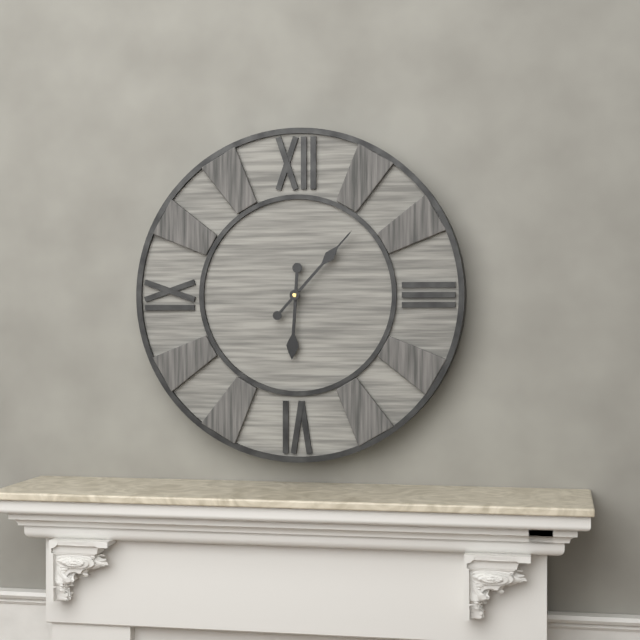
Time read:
h=6 m=7
